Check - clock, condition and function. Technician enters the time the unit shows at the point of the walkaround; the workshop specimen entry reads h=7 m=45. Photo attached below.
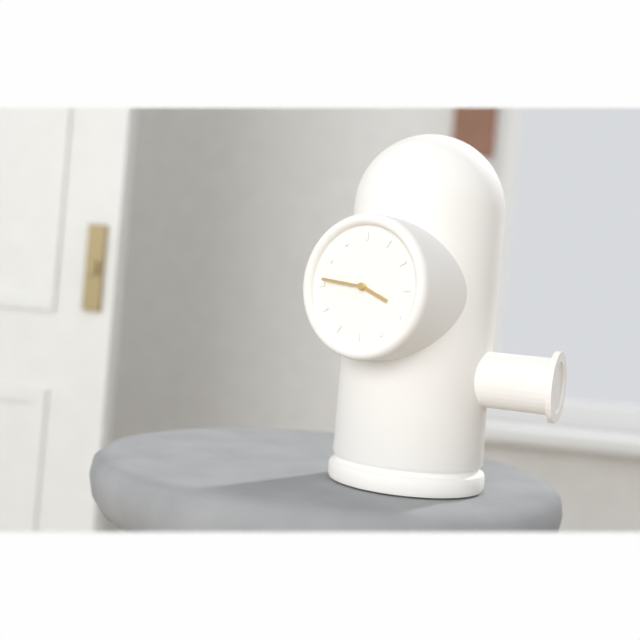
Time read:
h=3 m=46
